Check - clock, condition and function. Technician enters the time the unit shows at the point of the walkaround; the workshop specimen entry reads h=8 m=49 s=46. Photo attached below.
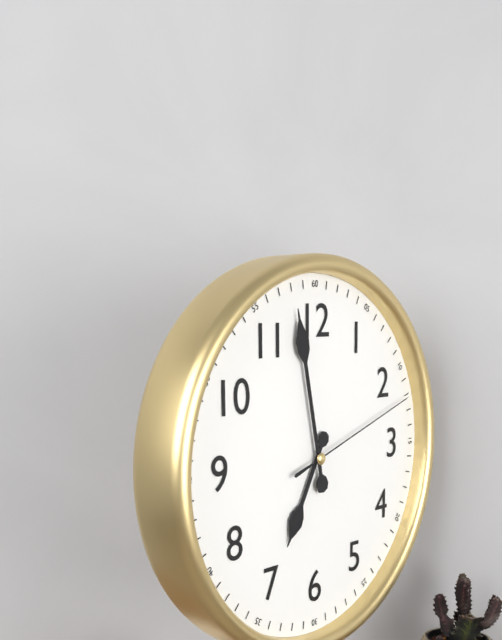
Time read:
h=6 m=58 s=12
